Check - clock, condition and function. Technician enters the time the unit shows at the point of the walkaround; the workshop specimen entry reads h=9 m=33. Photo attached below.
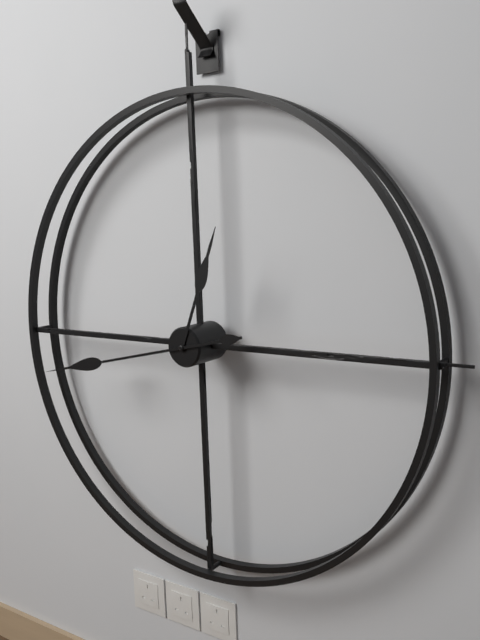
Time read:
h=12 m=43
